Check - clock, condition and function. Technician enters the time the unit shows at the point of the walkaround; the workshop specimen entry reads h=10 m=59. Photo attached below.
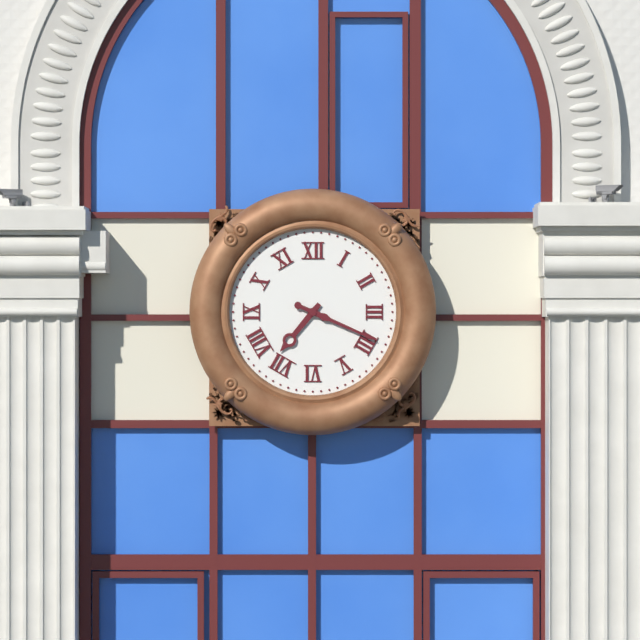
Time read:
h=7 m=19
